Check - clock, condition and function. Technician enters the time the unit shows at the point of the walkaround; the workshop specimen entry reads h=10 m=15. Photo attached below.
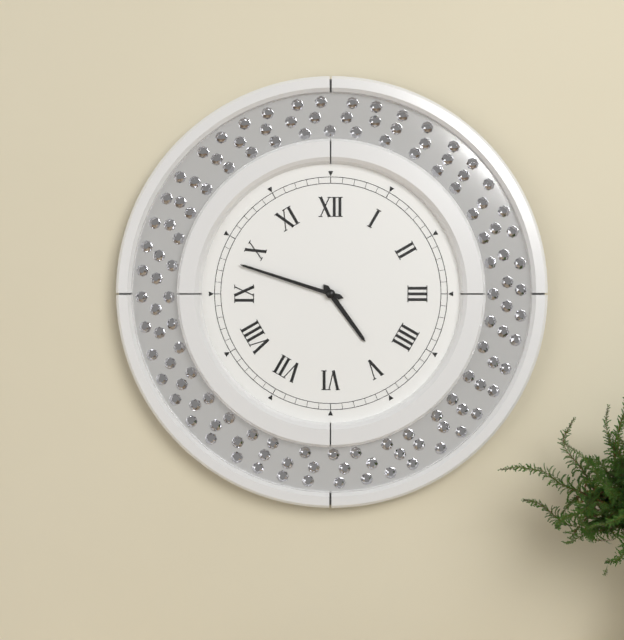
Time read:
h=4 m=48
